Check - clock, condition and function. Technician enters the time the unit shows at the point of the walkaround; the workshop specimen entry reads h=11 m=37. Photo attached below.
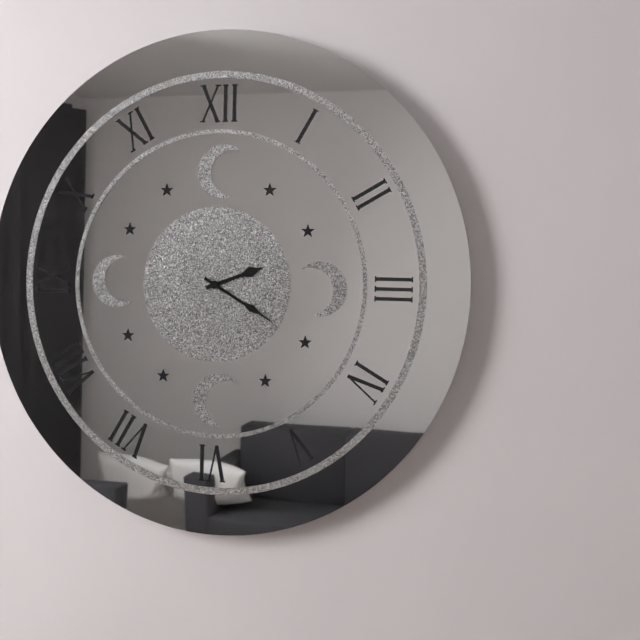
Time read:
h=2 m=20
